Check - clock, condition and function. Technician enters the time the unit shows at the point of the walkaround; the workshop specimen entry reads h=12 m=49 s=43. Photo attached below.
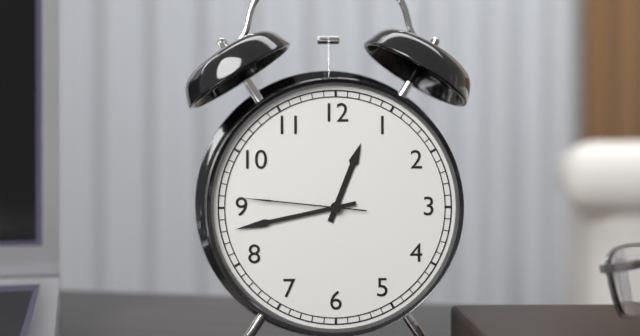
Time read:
h=12 m=43 s=46
